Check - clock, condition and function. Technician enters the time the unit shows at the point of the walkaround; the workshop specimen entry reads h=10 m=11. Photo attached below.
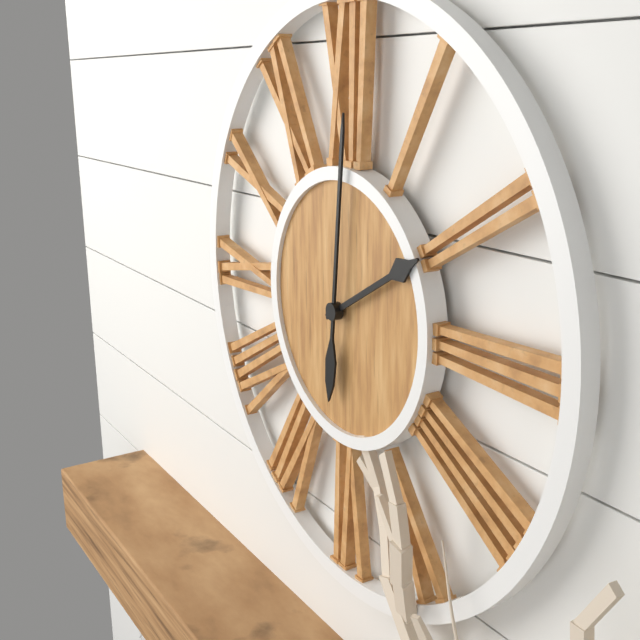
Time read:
h=2 m=1
